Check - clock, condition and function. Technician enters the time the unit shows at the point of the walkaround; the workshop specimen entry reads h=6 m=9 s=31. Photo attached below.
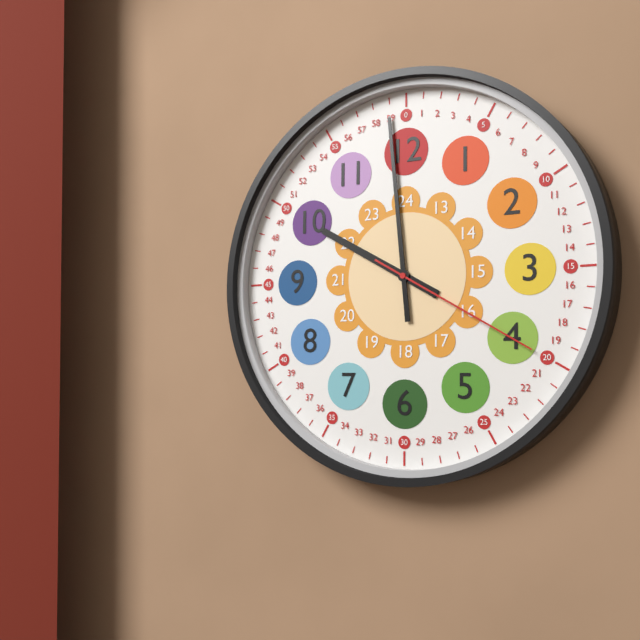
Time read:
h=9 m=59 s=20
